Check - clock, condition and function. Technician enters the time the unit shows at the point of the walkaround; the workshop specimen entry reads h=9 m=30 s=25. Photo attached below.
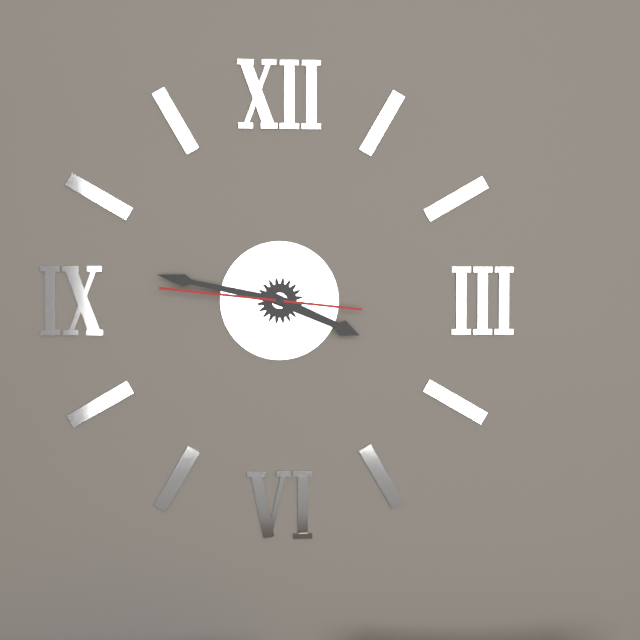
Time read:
h=3 m=47 s=46
